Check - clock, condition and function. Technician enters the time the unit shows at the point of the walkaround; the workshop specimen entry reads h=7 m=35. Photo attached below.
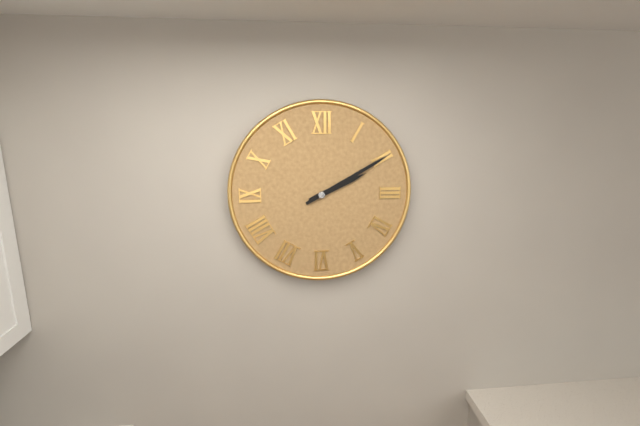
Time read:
h=2 m=10
